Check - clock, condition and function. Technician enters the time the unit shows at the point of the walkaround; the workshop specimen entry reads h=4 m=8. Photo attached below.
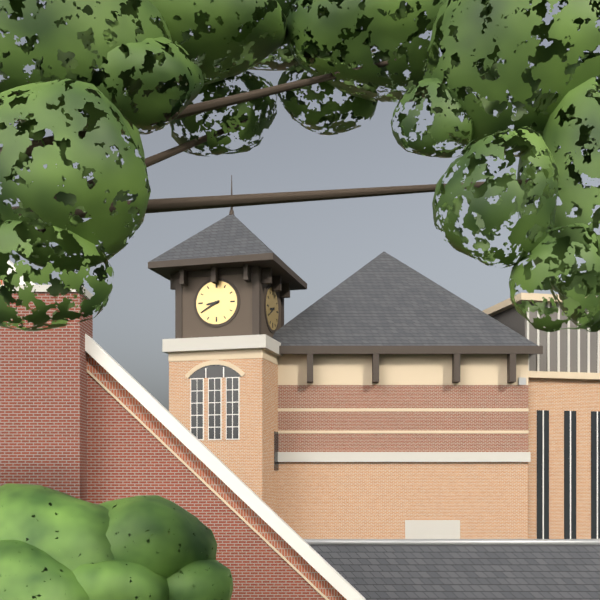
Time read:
h=8 m=40
